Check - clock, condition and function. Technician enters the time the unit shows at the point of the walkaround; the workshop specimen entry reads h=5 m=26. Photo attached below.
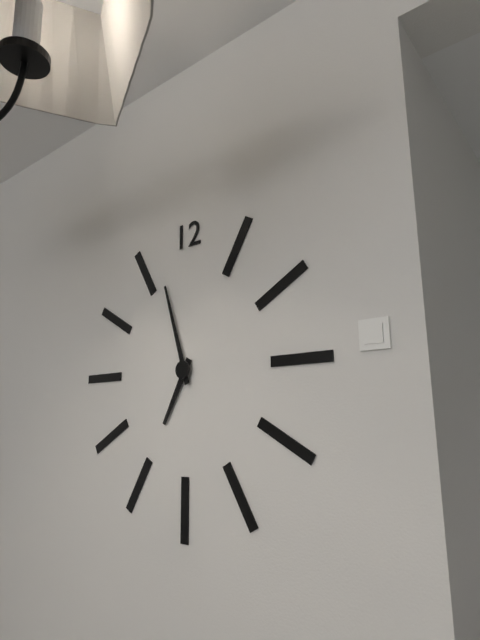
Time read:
h=6 m=57
